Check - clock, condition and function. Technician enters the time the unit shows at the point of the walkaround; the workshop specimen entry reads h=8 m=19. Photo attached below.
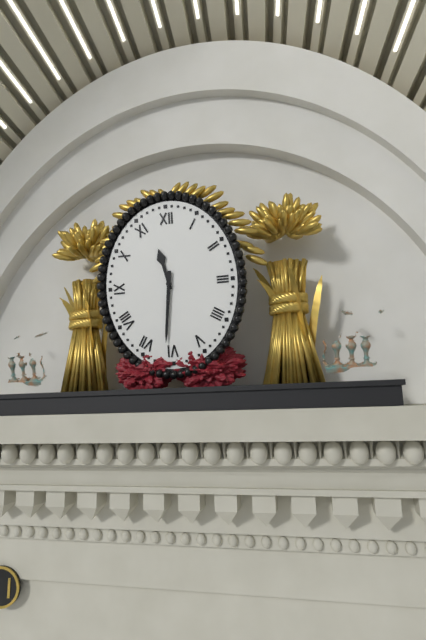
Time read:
h=11 m=31
